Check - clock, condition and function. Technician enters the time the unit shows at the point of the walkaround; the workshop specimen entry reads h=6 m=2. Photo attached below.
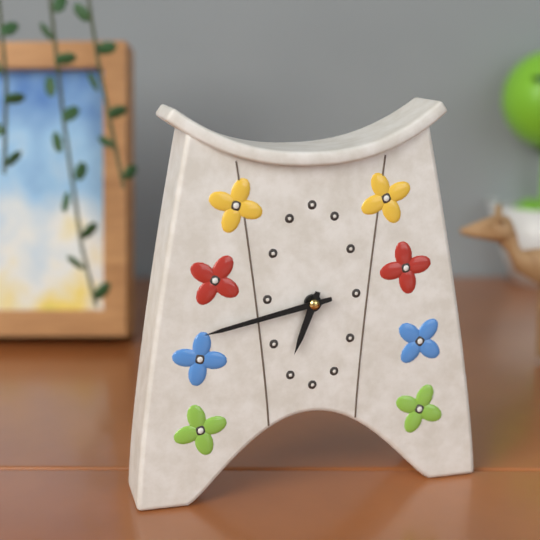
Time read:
h=6 m=43
